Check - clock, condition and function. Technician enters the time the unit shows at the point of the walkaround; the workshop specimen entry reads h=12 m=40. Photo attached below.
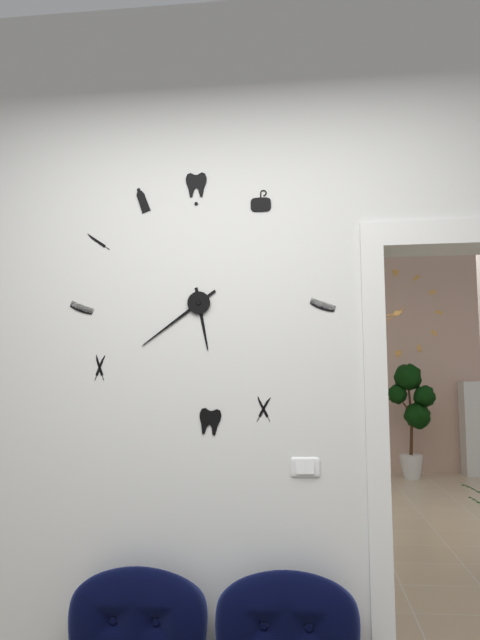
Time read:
h=5 m=39
